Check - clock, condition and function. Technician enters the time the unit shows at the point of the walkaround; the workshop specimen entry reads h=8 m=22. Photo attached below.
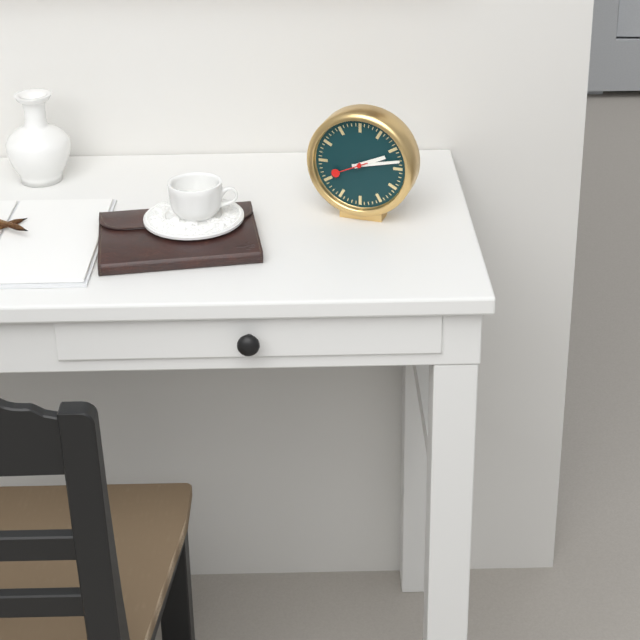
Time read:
h=2 m=13
